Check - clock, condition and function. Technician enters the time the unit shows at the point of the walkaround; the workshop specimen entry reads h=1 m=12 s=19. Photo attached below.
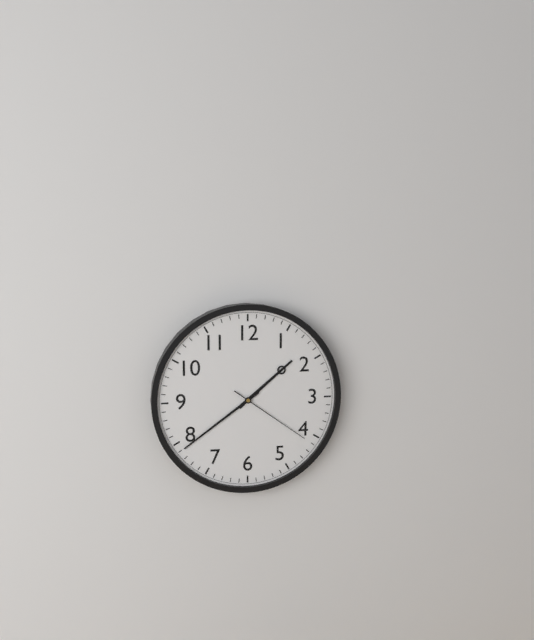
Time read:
h=1 m=39 s=21
